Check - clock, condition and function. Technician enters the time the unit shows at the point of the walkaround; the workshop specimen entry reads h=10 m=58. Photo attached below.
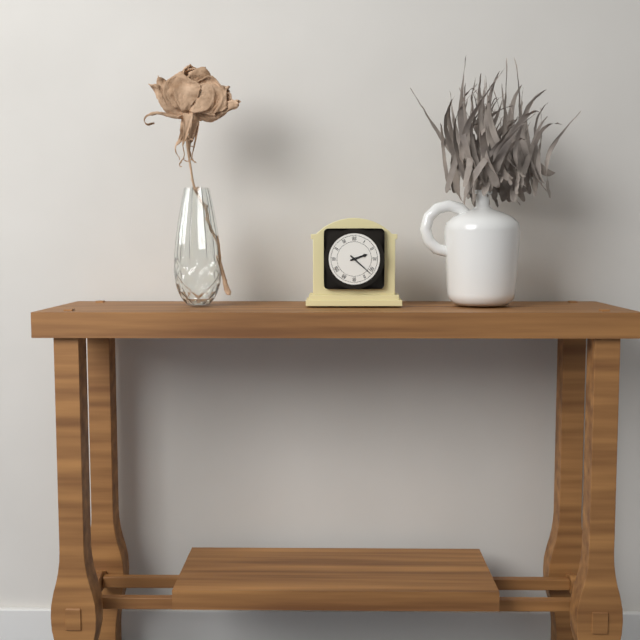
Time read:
h=2 m=22
